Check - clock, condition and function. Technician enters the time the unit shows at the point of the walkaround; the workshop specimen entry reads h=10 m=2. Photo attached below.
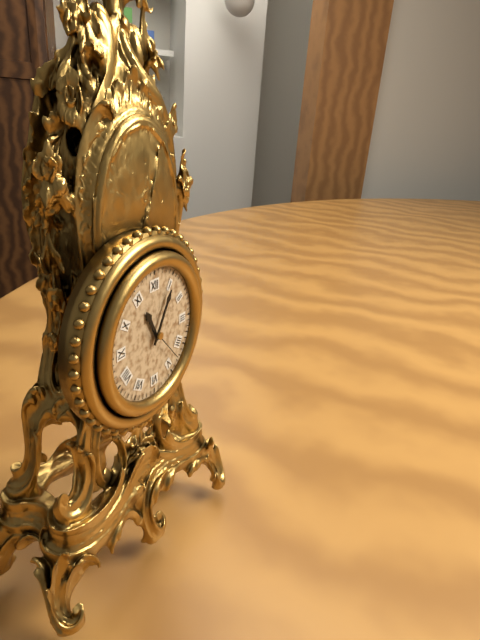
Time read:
h=11 m=5
